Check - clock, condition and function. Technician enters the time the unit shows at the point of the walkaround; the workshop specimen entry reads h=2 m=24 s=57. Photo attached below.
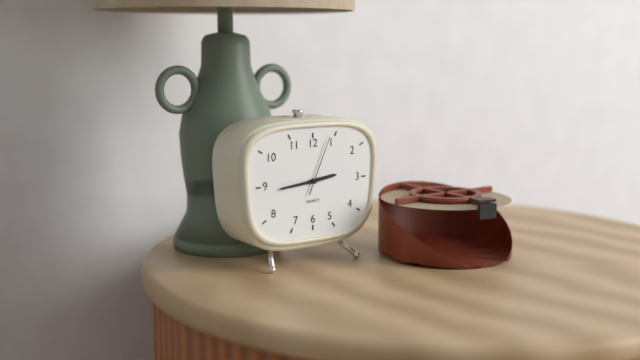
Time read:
h=2 m=44 s=4
